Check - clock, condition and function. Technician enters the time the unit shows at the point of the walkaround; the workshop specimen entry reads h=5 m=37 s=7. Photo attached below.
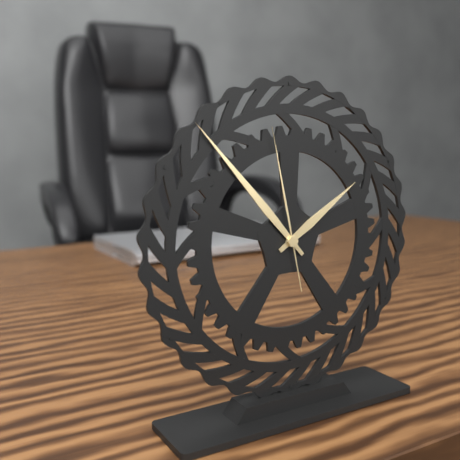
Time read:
h=1 m=53 s=58
